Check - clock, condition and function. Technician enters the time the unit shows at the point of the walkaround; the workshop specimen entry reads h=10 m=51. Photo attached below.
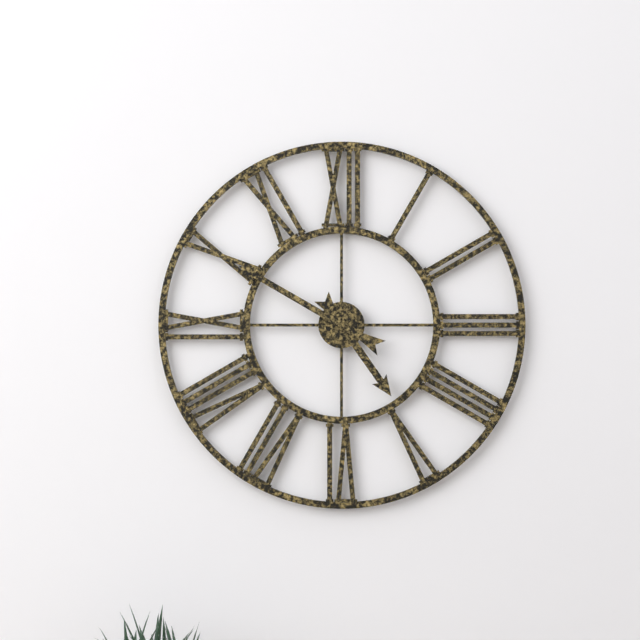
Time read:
h=4 m=50
